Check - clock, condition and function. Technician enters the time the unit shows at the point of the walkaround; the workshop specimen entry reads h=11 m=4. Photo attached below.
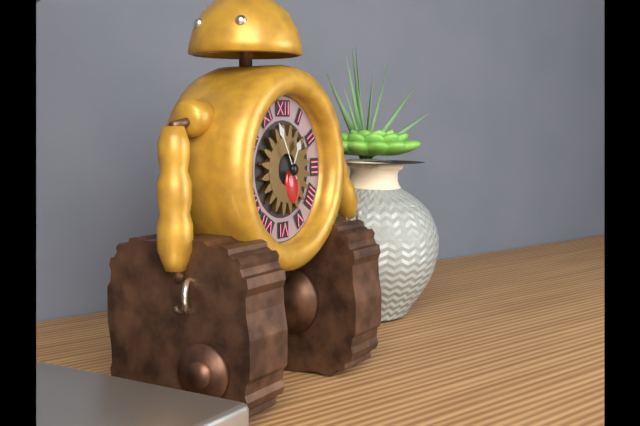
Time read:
h=12 m=55
